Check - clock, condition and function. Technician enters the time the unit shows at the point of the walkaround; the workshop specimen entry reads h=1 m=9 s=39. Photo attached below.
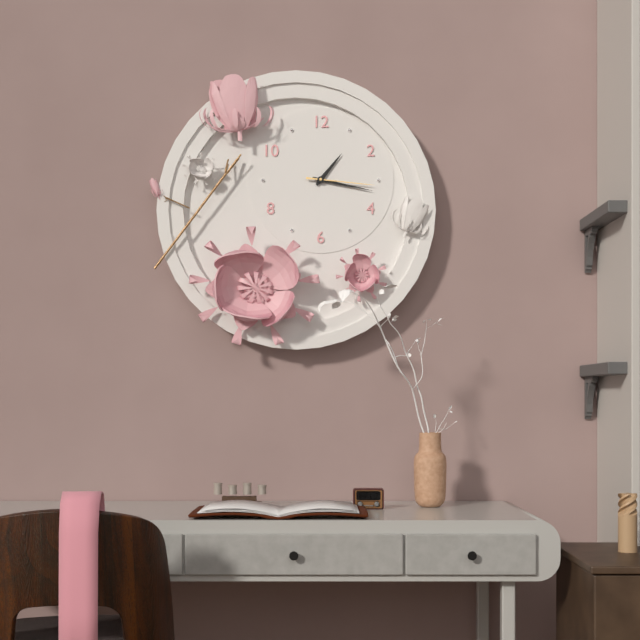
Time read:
h=1 m=17 s=16
